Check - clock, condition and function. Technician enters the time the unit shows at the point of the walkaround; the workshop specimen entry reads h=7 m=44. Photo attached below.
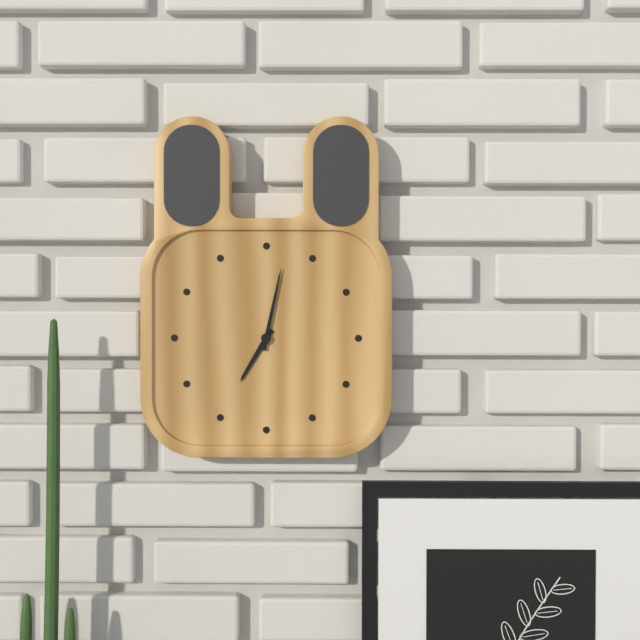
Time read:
h=7 m=2
